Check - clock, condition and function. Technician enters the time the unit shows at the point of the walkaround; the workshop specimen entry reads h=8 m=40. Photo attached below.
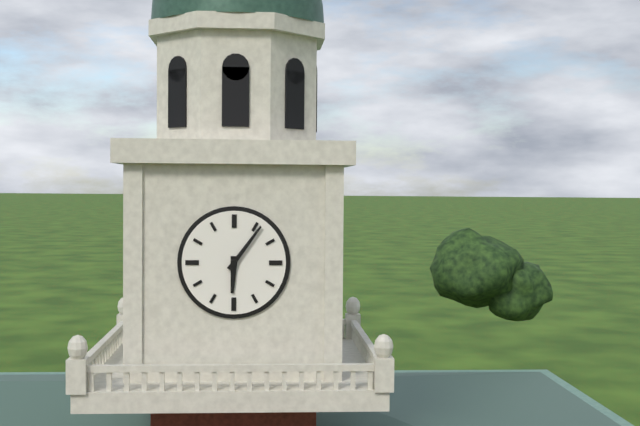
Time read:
h=6 m=6
